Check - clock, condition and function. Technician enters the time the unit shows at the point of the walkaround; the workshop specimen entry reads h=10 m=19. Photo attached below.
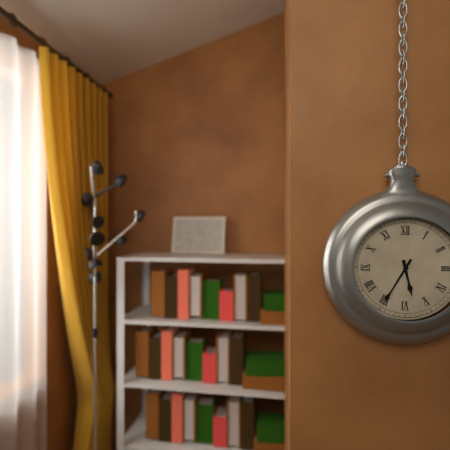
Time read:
h=5 m=35
